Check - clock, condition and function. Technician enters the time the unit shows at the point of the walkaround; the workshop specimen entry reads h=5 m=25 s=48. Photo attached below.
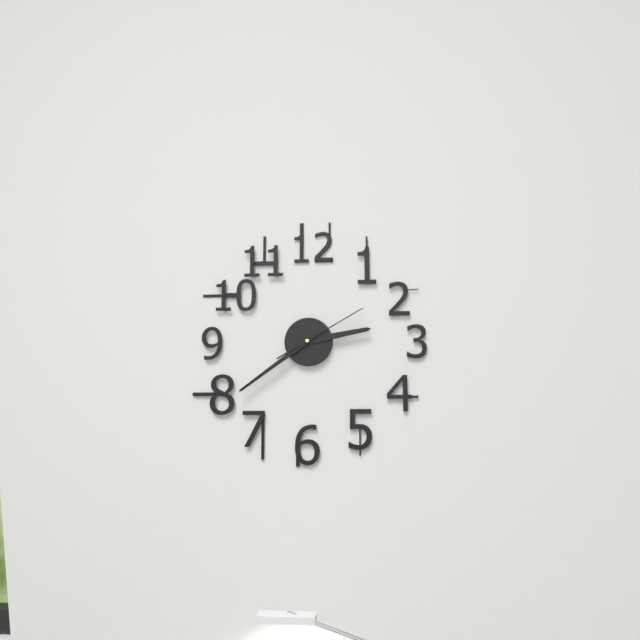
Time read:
h=2 m=39 s=10
